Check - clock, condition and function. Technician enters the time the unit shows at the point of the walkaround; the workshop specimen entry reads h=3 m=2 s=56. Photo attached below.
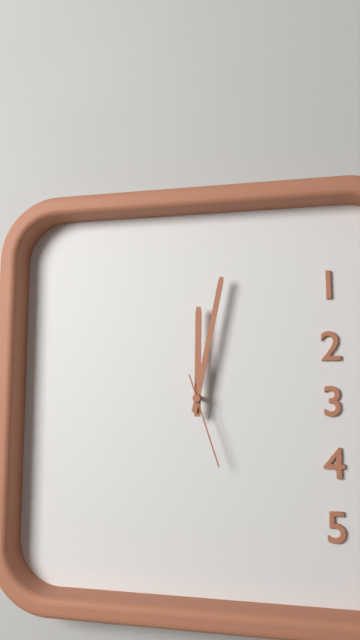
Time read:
h=12 m=2 s=27
